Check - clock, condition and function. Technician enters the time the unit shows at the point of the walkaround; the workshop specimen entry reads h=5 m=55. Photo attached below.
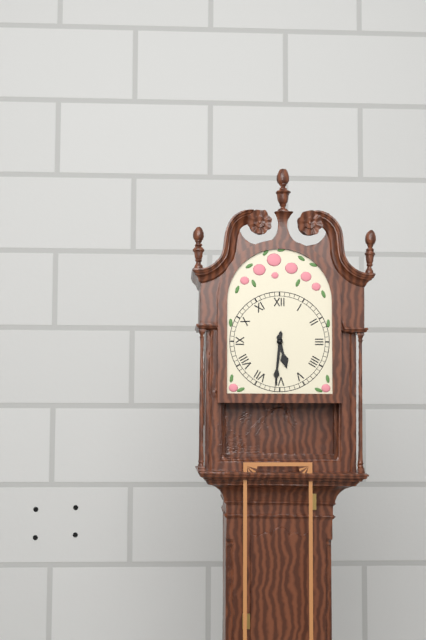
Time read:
h=5 m=31
